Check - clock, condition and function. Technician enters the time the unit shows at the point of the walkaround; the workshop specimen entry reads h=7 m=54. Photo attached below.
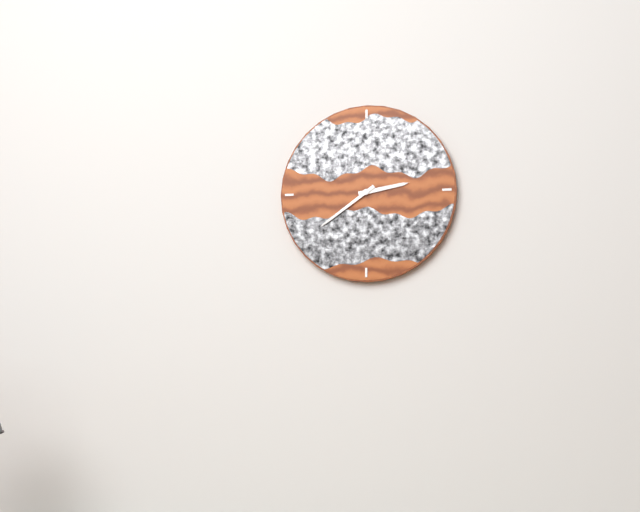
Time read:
h=2 m=39
